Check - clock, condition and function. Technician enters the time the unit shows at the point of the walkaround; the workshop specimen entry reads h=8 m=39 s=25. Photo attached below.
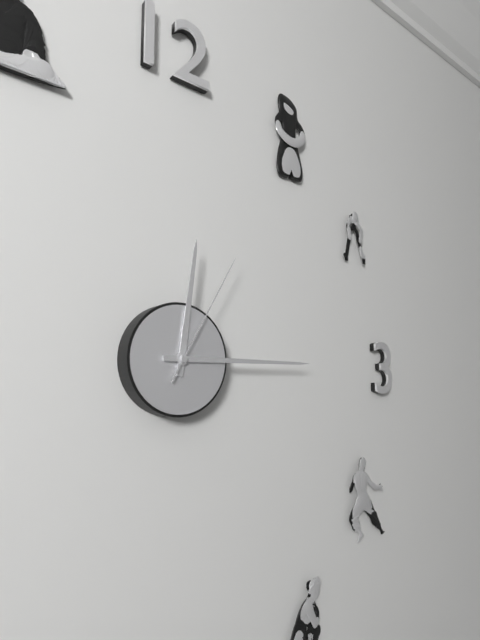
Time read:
h=12 m=15 s=5
